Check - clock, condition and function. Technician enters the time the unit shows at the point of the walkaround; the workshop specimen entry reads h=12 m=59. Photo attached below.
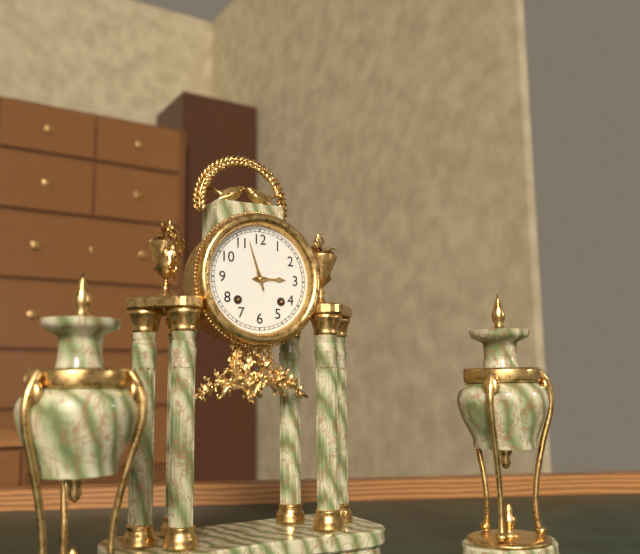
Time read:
h=2 m=57
